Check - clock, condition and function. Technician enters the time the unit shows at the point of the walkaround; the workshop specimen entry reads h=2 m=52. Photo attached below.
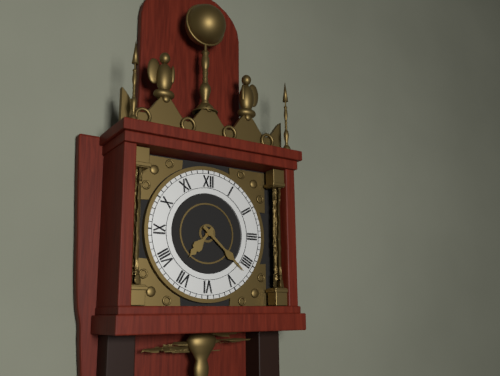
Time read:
h=7 m=22
